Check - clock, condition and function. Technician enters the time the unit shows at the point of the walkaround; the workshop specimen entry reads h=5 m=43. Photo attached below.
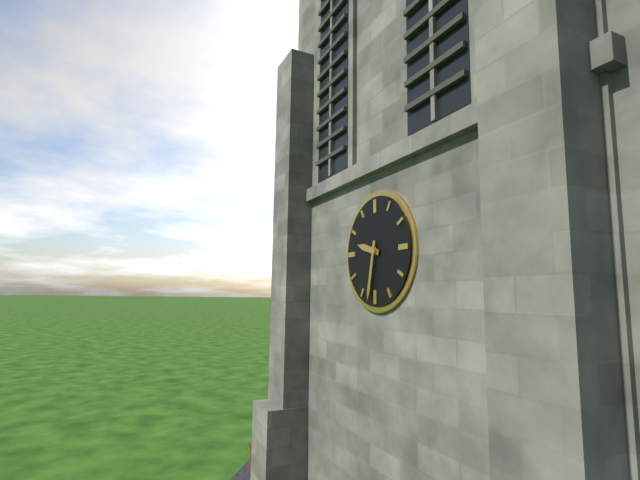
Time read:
h=9 m=32
